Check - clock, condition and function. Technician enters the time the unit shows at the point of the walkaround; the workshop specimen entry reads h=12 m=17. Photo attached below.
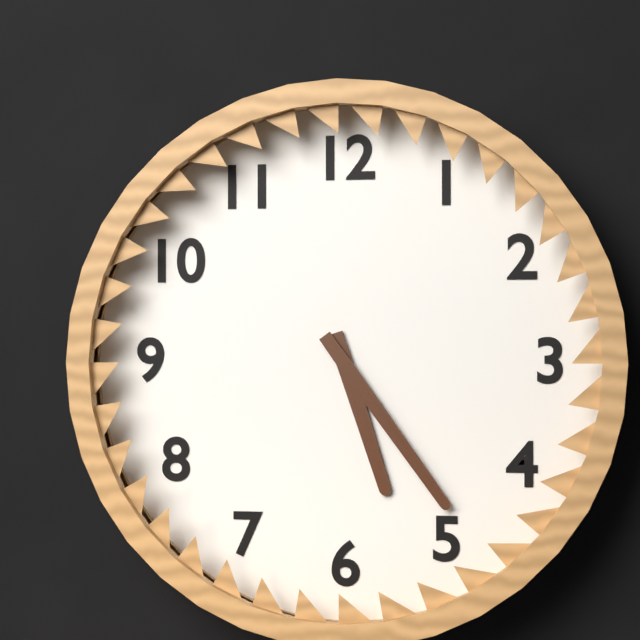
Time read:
h=5 m=24
